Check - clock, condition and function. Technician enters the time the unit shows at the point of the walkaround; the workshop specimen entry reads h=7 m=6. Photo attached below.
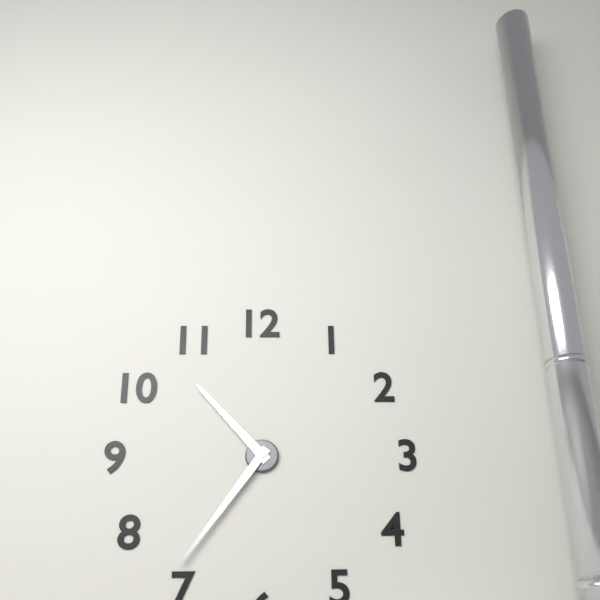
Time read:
h=10 m=36
